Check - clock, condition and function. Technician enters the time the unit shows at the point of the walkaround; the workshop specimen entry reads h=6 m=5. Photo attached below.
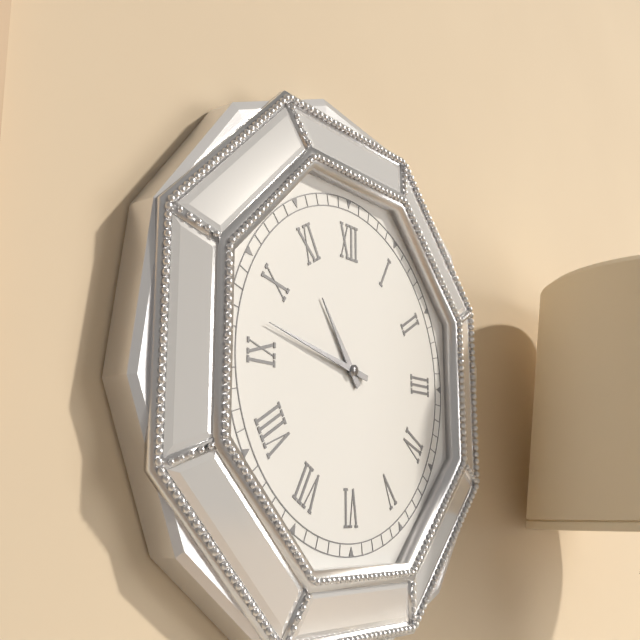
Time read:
h=10 m=47
